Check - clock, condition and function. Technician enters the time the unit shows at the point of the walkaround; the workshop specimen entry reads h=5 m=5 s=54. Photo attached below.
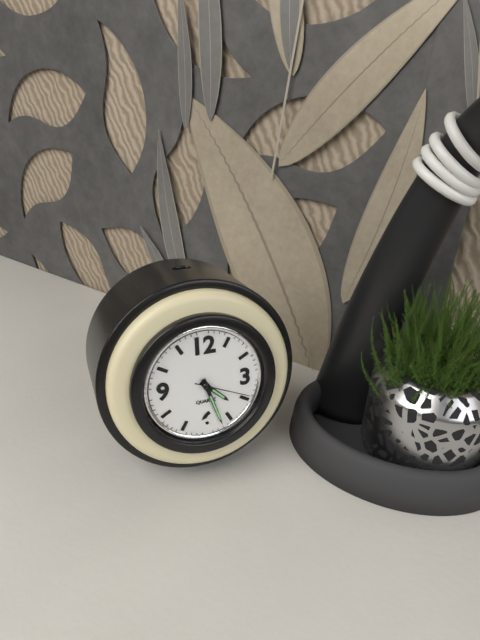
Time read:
h=4 m=27 s=19
